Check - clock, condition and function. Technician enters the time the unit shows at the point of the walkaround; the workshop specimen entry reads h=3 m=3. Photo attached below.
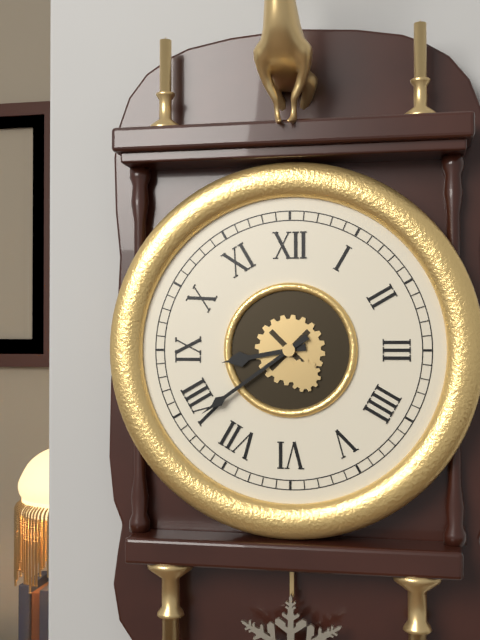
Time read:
h=8 m=39
